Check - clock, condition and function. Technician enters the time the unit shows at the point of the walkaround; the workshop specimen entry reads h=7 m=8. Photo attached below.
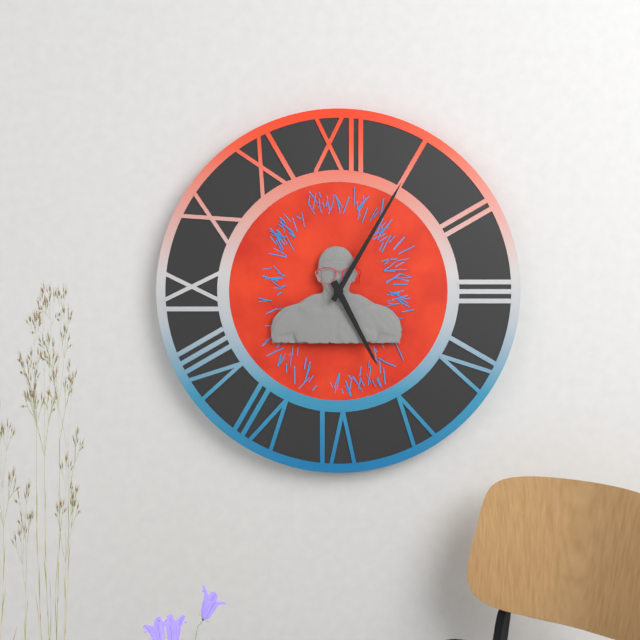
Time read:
h=5 m=5
